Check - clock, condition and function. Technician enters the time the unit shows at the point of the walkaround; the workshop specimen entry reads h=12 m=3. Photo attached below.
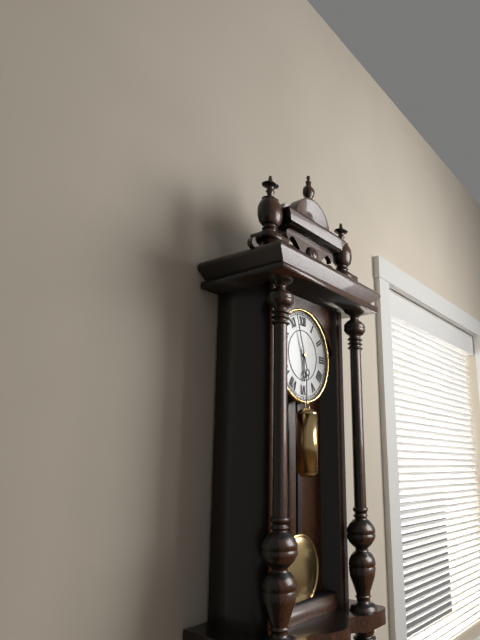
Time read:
h=5 m=57
